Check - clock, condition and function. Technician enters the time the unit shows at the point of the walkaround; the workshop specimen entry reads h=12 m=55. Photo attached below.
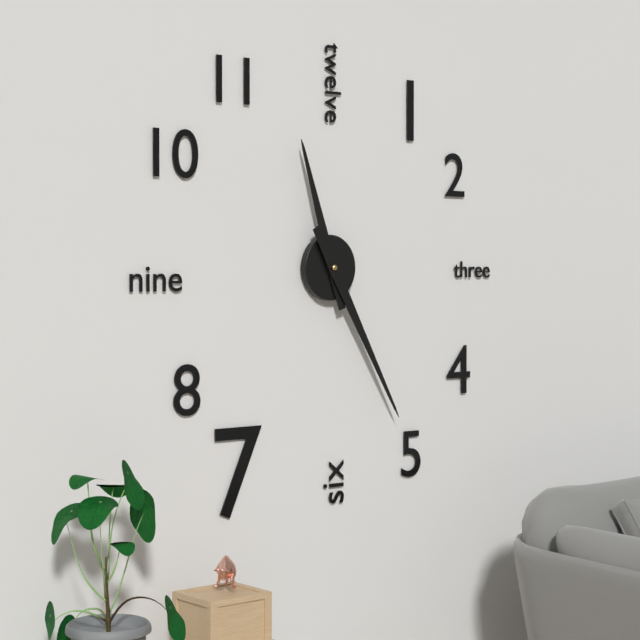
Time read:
h=11 m=25
